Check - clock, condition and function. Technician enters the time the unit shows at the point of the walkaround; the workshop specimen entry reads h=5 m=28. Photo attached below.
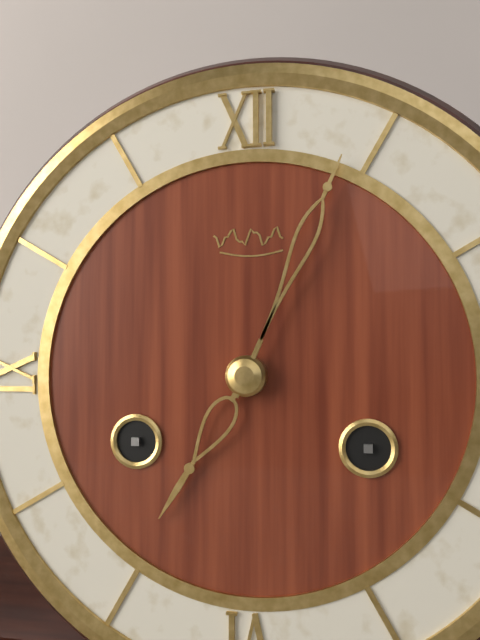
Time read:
h=7 m=4
